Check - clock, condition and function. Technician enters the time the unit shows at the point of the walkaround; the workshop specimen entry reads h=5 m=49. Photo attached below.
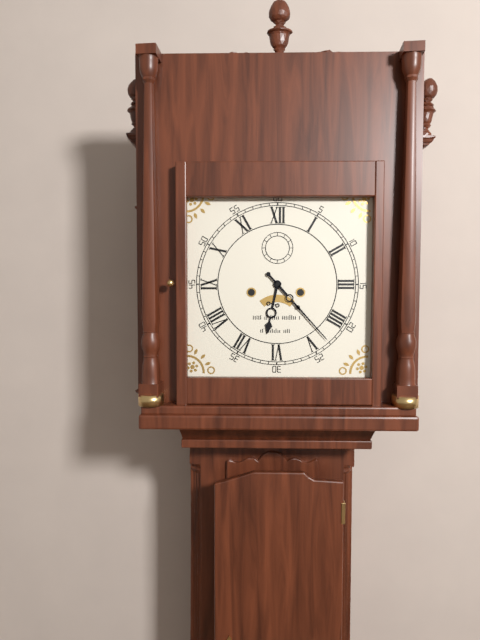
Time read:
h=6 m=23
